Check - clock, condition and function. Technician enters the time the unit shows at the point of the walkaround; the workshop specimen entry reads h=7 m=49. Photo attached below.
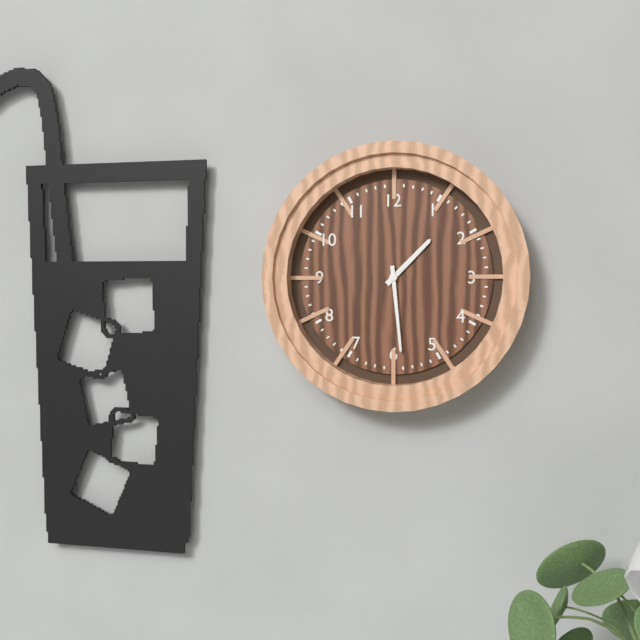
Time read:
h=1 m=29
